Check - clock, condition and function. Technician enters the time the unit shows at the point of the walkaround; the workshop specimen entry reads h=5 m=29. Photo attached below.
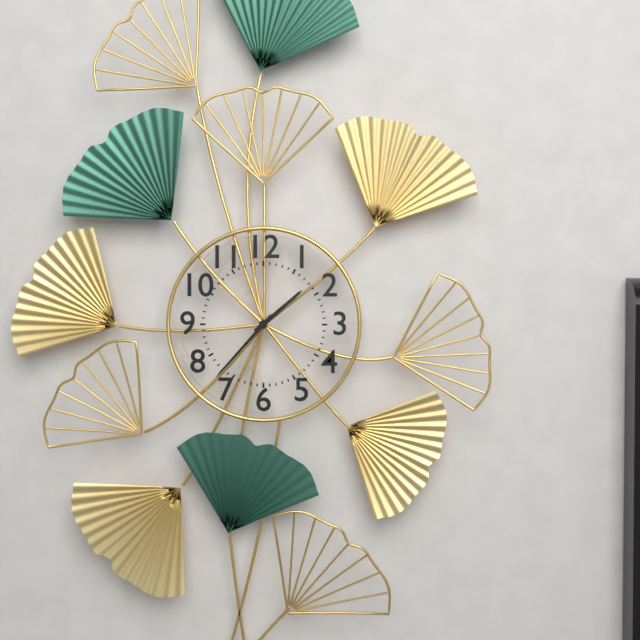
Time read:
h=1 m=37
